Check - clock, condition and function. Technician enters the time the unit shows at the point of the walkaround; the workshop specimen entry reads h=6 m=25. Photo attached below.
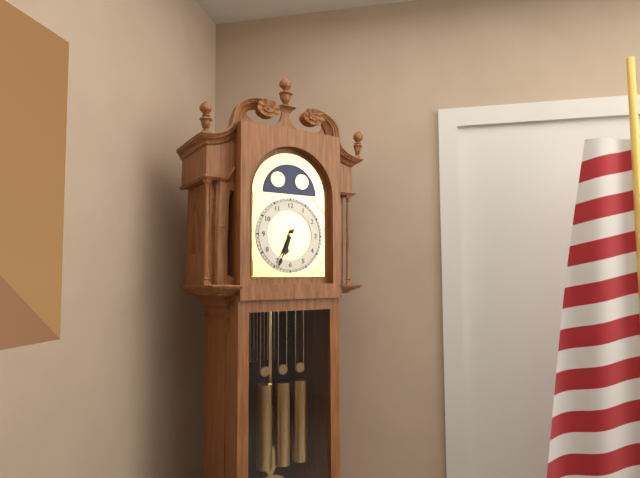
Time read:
h=6 m=34
